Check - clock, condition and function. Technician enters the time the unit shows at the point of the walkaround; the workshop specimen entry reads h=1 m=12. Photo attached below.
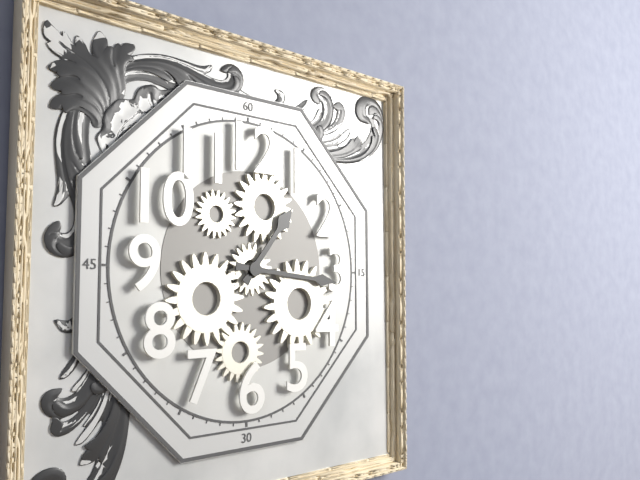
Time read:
h=1 m=16
